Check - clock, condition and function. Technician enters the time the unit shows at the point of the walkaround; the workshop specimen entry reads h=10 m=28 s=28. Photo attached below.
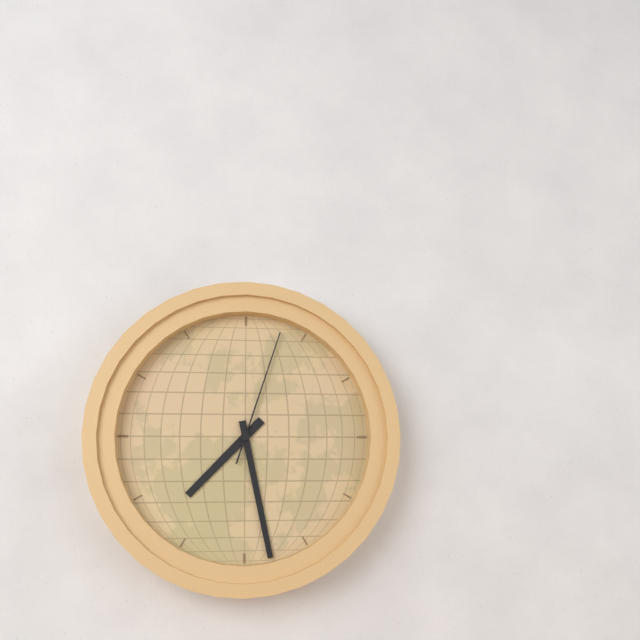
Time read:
h=7 m=28 s=3
